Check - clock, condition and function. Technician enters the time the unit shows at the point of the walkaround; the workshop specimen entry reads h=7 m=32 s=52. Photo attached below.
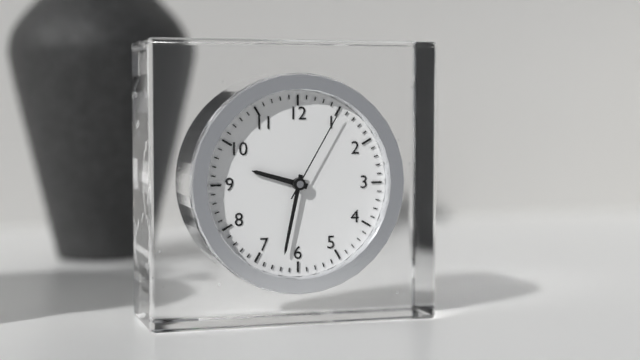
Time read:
h=9 m=32 s=5
